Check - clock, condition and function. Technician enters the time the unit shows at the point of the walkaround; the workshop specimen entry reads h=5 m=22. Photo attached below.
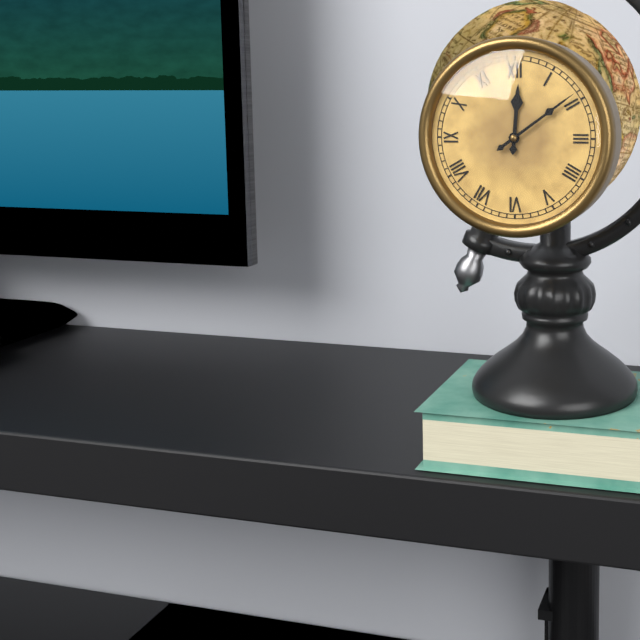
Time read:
h=12 m=9
